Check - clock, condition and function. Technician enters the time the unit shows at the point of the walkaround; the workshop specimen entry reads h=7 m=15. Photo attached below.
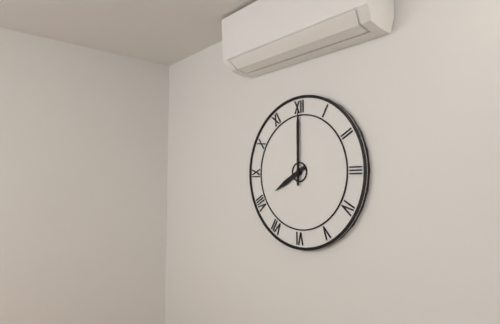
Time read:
h=8 m=0
